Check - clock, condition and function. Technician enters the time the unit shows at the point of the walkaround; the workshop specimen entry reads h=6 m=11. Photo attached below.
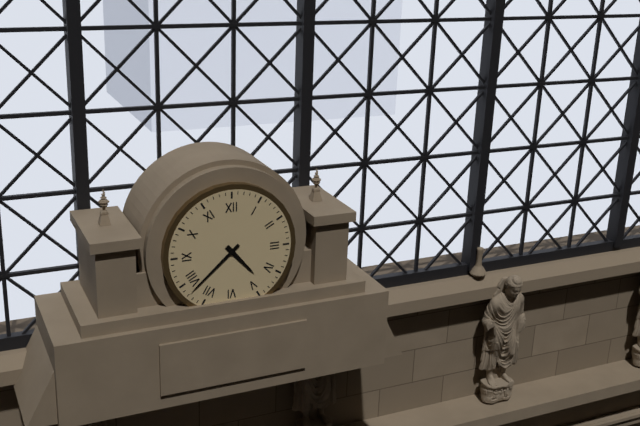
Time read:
h=4 m=38
